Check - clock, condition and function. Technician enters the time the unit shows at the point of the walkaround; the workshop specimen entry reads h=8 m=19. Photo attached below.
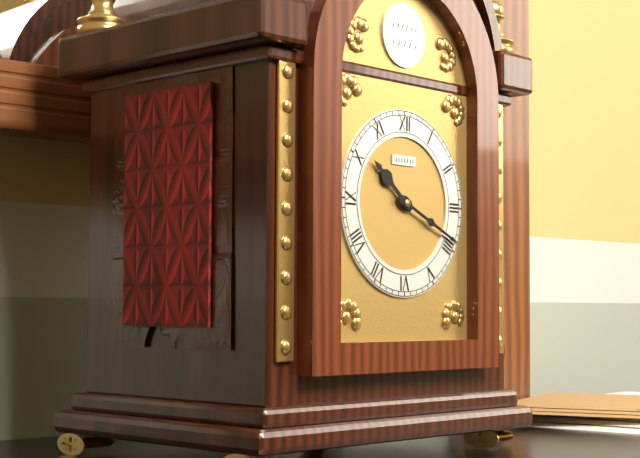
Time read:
h=10 m=19
